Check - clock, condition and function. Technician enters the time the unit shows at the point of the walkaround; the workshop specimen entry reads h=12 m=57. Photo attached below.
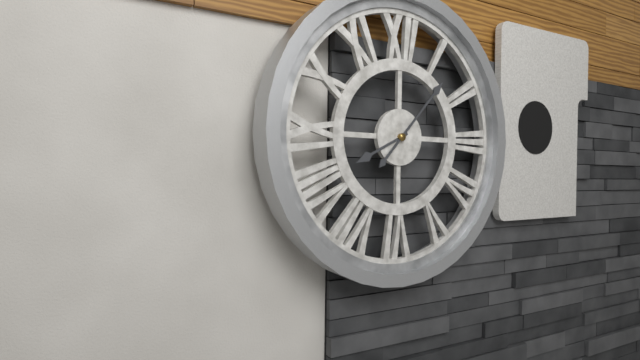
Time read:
h=8 m=7
